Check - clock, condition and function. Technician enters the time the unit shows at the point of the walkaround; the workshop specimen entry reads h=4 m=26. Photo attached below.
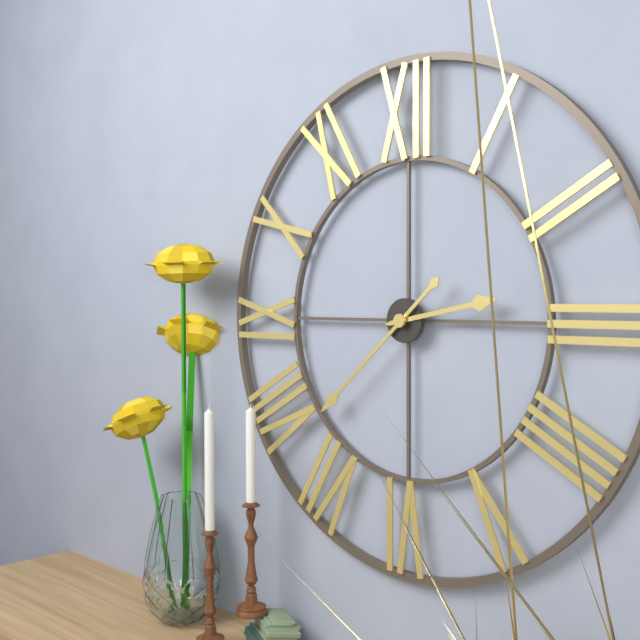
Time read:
h=2 m=38
